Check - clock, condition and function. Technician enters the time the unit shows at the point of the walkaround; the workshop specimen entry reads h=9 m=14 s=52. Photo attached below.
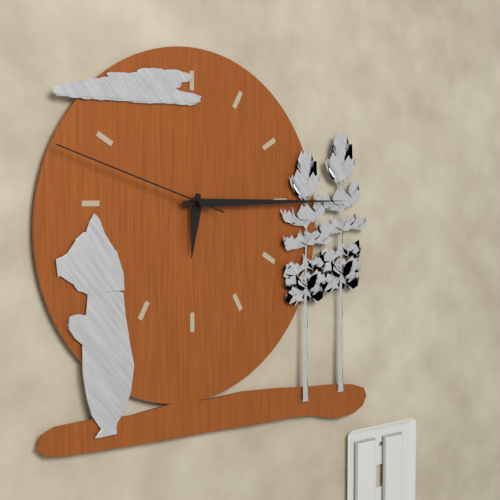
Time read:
h=6 m=15 s=48
